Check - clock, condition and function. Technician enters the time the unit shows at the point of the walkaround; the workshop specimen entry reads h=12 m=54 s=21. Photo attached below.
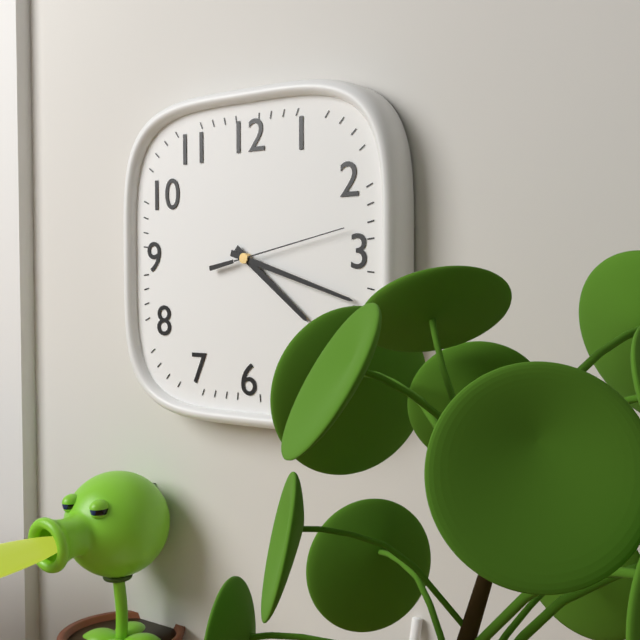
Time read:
h=4 m=18 s=13
